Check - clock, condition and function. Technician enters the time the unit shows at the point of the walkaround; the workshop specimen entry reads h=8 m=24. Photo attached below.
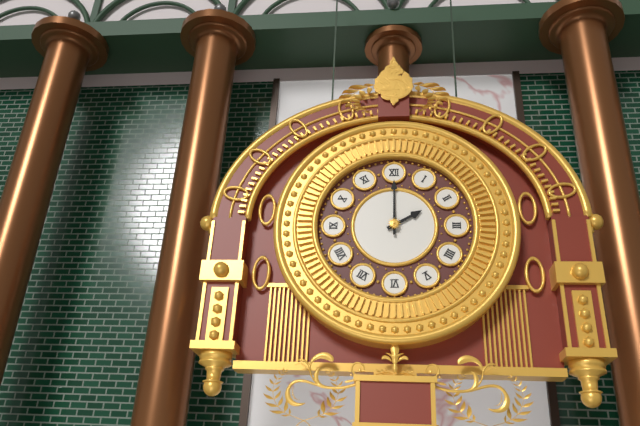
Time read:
h=2 m=0
